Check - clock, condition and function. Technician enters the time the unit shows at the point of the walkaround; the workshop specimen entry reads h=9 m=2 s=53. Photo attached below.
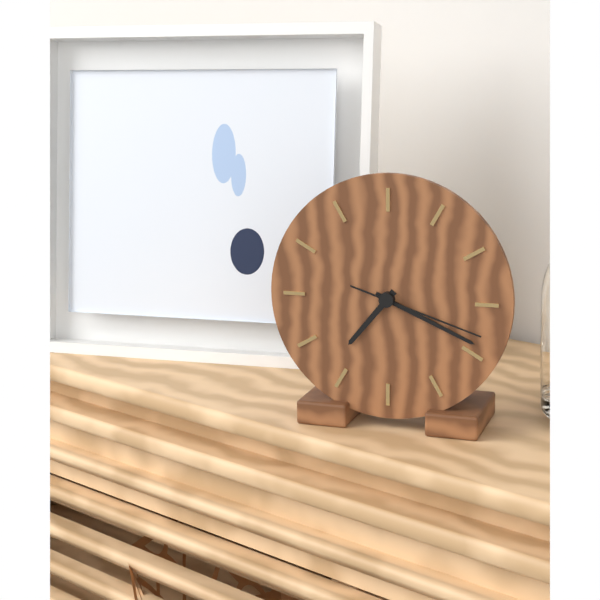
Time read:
h=7 m=19 s=18
